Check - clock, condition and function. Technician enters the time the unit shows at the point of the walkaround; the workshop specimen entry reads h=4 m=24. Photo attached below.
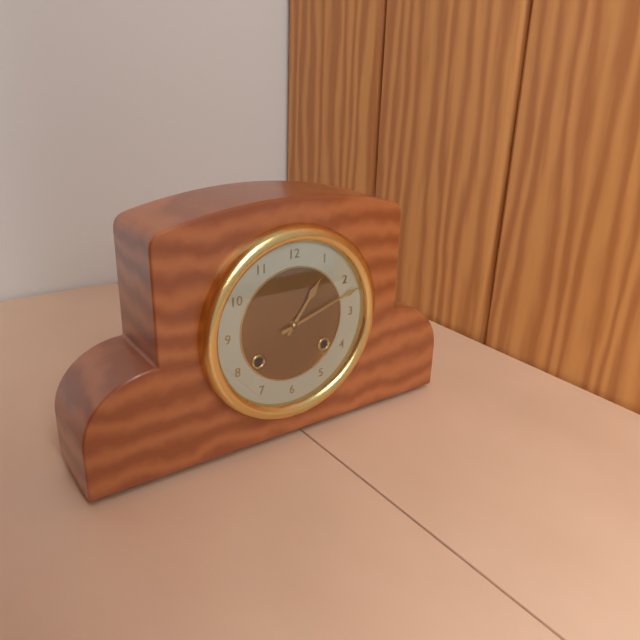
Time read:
h=1 m=12
